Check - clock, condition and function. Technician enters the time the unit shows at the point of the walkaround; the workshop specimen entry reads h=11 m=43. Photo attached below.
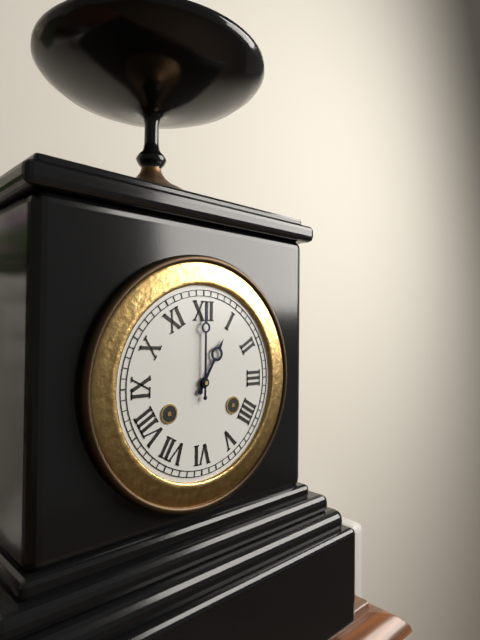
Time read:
h=1 m=0
